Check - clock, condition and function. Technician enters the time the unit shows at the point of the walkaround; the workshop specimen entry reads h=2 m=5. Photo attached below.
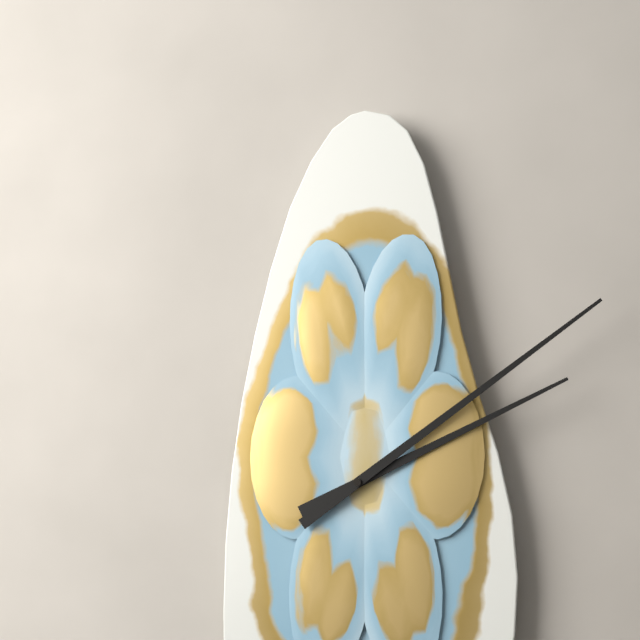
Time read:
h=2 m=9
